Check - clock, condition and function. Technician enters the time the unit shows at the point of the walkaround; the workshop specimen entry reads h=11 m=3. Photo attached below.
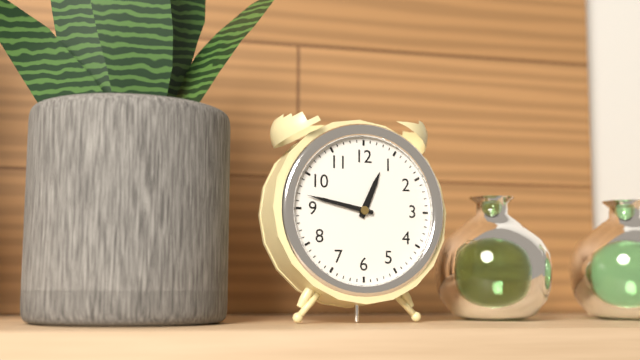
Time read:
h=12 m=47
